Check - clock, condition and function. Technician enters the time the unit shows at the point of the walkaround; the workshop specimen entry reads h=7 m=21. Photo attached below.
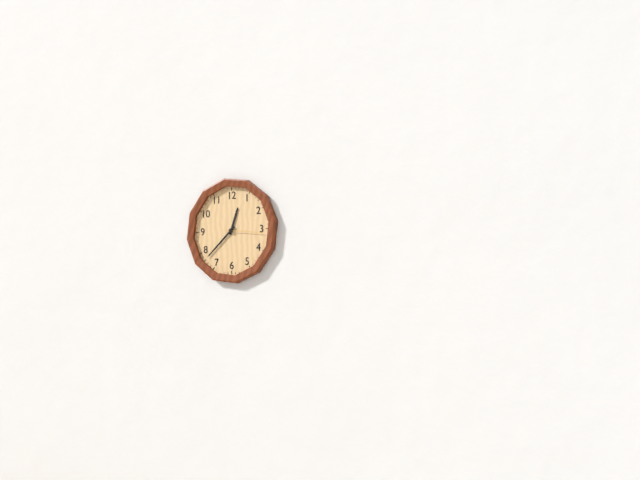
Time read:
h=12 m=38
